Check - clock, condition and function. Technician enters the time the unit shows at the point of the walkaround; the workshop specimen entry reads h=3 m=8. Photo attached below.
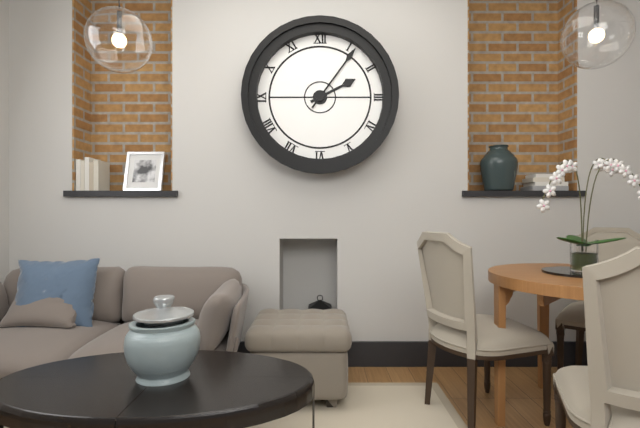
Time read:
h=2 m=6
